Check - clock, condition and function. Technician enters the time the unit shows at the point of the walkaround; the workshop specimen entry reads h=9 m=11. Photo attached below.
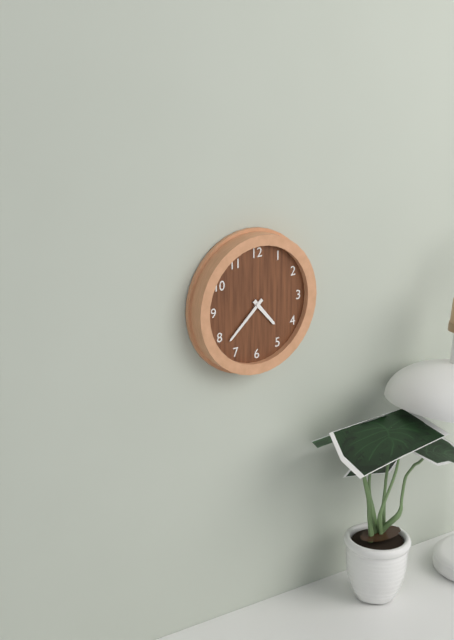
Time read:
h=4 m=38
